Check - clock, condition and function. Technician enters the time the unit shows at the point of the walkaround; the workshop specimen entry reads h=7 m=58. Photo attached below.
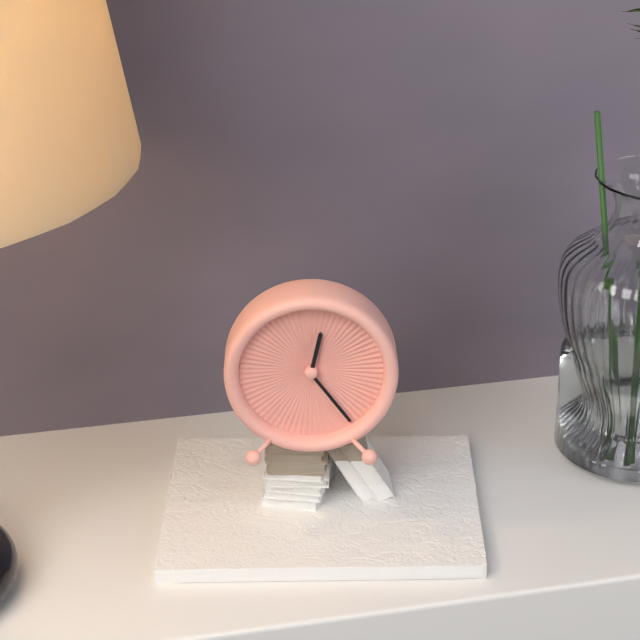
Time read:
h=12 m=24
